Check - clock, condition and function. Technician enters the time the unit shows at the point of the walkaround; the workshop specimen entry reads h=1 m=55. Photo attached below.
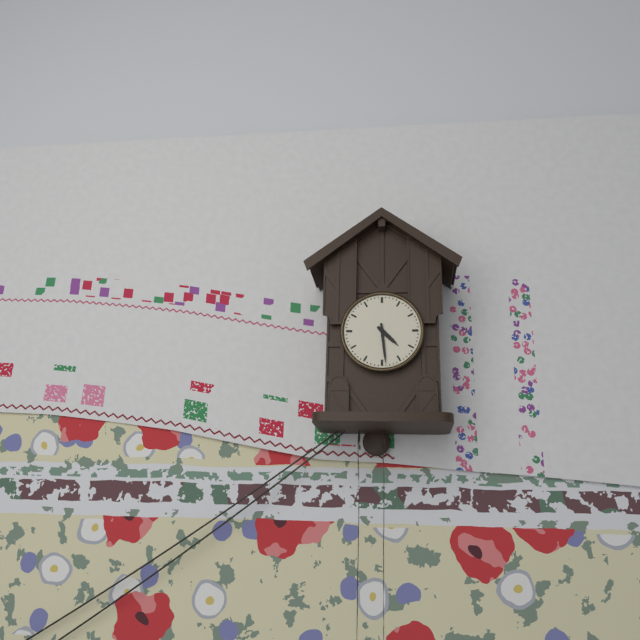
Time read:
h=4 m=29
